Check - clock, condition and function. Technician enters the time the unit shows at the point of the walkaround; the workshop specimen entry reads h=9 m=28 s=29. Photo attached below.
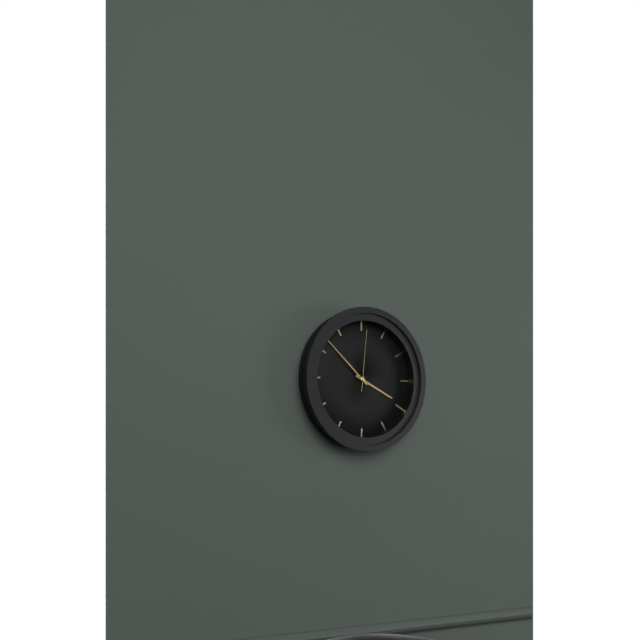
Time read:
h=3 m=52 s=1
